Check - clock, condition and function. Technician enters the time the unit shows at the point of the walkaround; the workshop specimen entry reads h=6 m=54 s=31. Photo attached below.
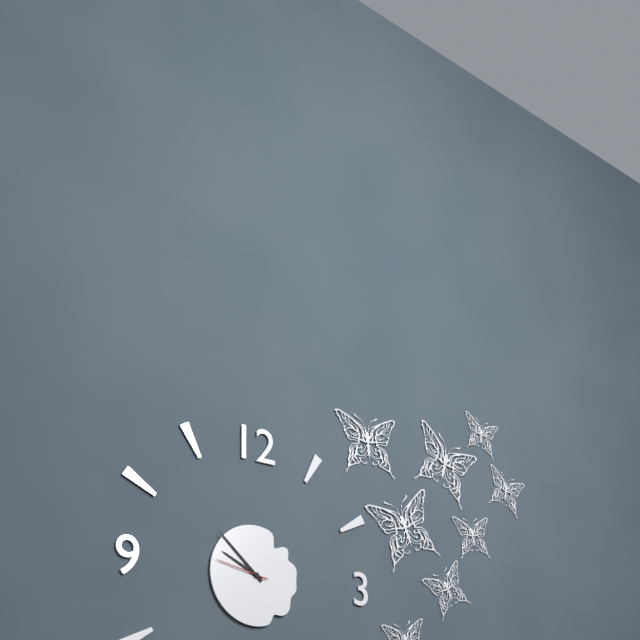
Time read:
h=9 m=52 s=47
